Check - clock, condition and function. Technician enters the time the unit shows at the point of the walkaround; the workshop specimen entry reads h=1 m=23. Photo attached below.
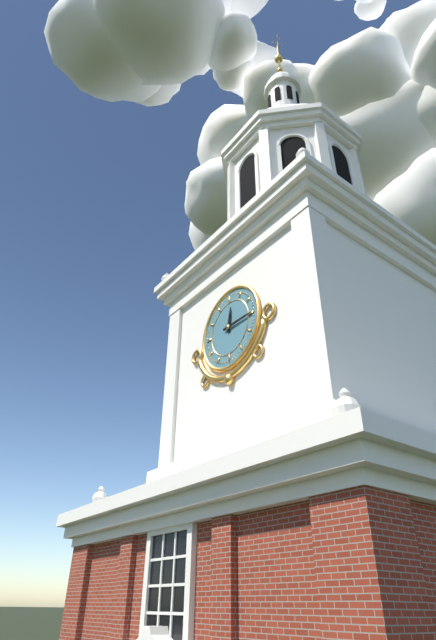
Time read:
h=12 m=15
